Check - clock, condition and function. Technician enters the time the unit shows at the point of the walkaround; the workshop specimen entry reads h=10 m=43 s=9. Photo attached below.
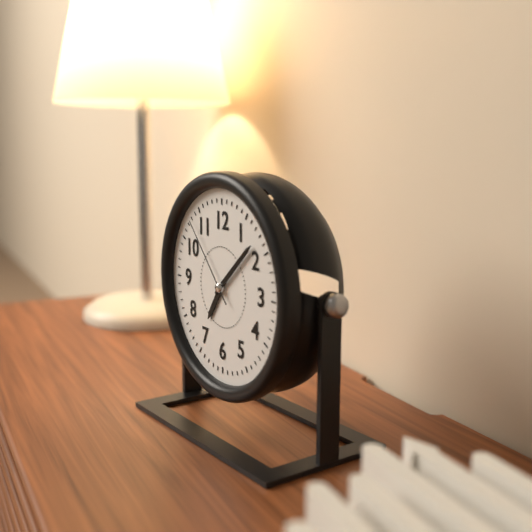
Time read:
h=7 m=8 s=53
